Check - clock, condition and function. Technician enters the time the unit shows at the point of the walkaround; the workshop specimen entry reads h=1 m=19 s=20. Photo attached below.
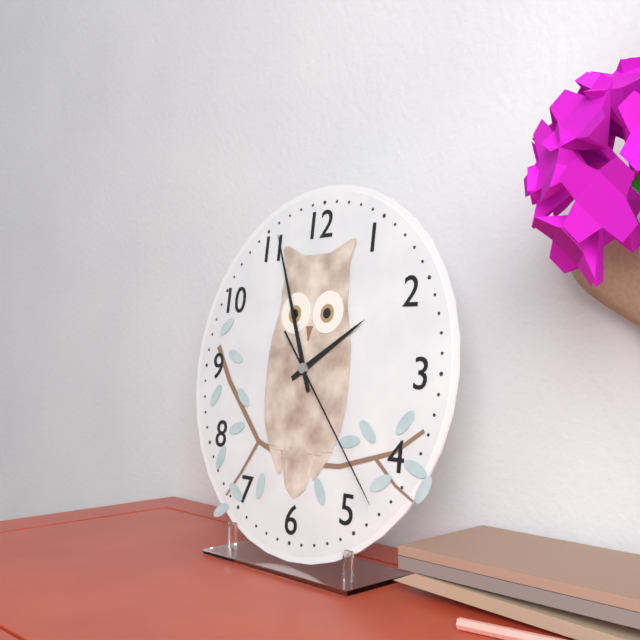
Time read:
h=1 m=56 s=23
